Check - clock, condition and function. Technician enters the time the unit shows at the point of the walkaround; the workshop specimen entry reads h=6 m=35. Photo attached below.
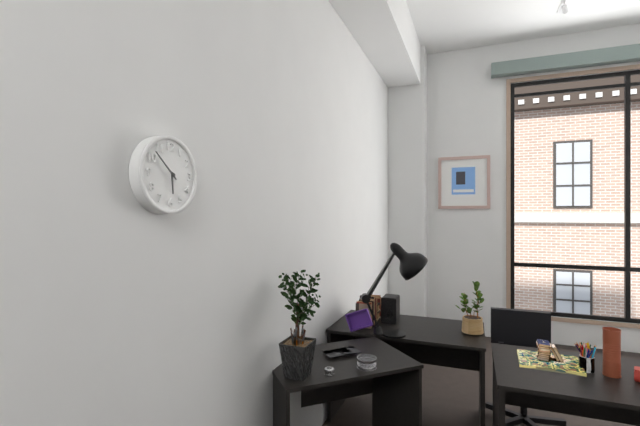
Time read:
h=5 m=52
